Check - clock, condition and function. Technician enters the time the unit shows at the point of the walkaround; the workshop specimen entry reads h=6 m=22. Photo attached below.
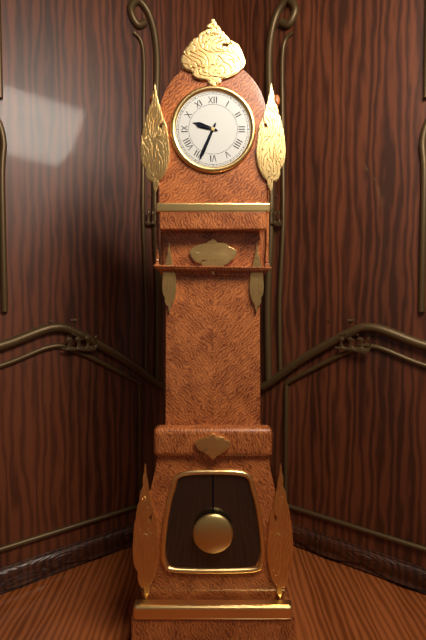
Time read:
h=9 m=34
